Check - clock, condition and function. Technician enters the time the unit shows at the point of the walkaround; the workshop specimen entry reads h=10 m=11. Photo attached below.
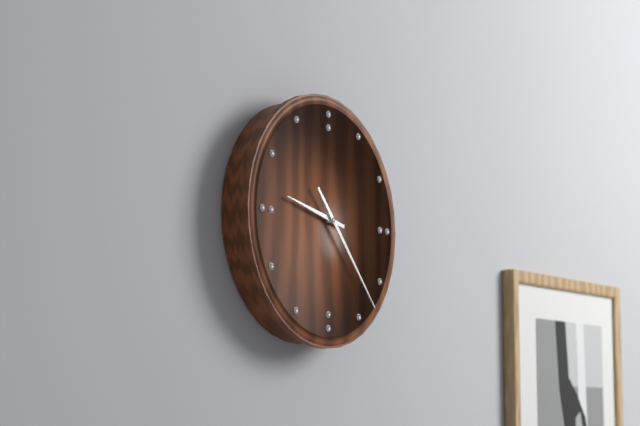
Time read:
h=9 m=23
